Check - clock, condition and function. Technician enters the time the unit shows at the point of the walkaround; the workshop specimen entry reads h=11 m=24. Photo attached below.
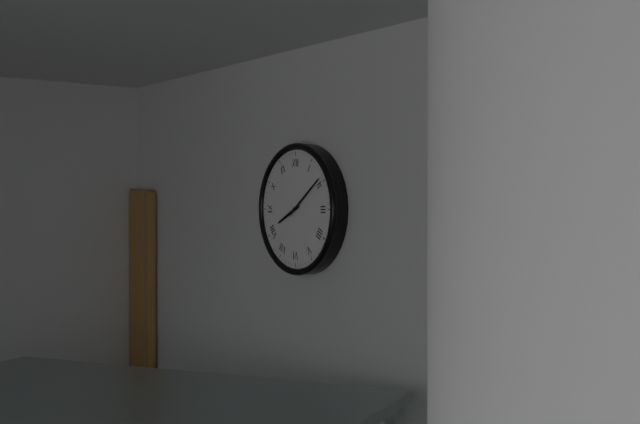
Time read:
h=8 m=9
